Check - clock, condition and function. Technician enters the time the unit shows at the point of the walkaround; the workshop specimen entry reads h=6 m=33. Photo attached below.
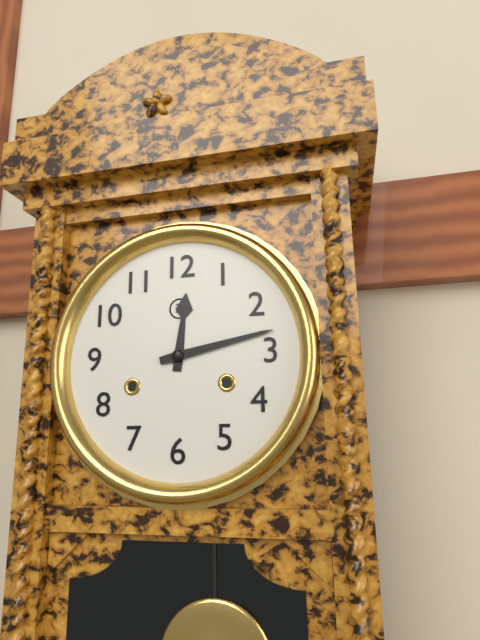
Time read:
h=12 m=13
